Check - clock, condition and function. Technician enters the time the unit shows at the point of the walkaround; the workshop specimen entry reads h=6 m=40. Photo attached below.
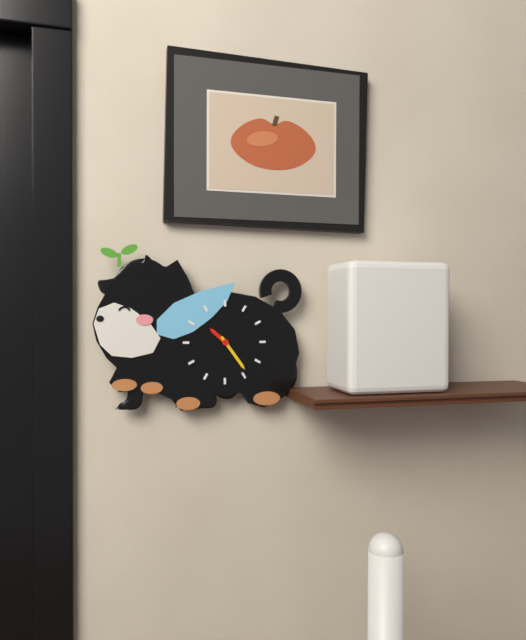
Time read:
h=10 m=24
